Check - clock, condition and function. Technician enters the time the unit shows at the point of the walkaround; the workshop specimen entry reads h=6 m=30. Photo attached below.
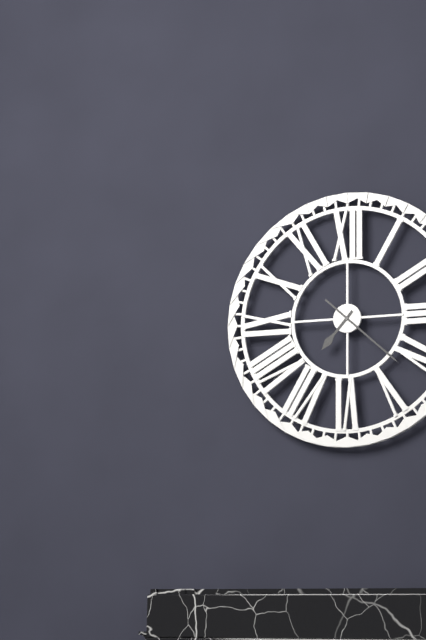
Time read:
h=7 m=22
